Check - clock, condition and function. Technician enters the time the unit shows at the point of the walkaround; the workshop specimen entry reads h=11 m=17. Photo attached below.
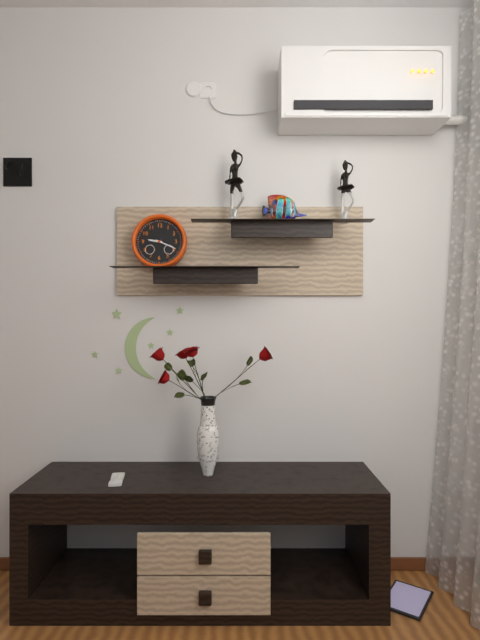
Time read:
h=9 m=19
